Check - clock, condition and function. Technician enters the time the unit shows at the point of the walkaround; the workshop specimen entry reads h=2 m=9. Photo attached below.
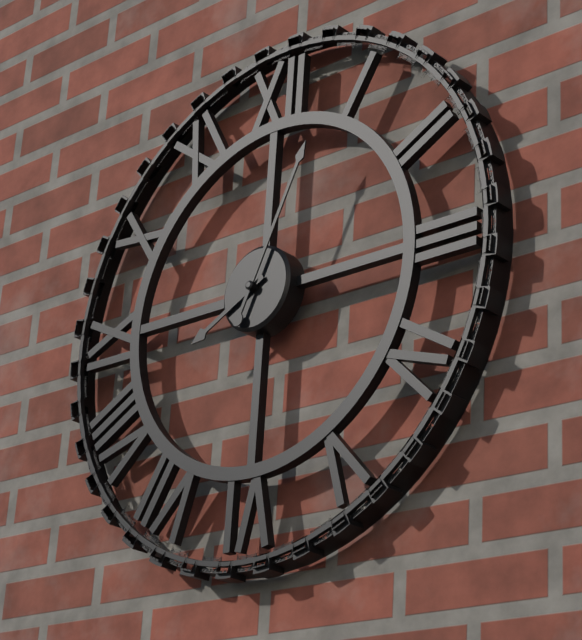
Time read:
h=8 m=4
